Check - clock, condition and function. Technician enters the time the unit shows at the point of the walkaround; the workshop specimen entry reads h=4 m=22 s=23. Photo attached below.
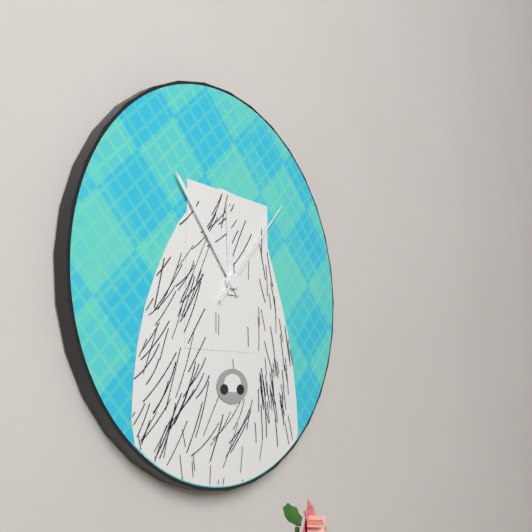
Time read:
h=11 m=53 s=7
